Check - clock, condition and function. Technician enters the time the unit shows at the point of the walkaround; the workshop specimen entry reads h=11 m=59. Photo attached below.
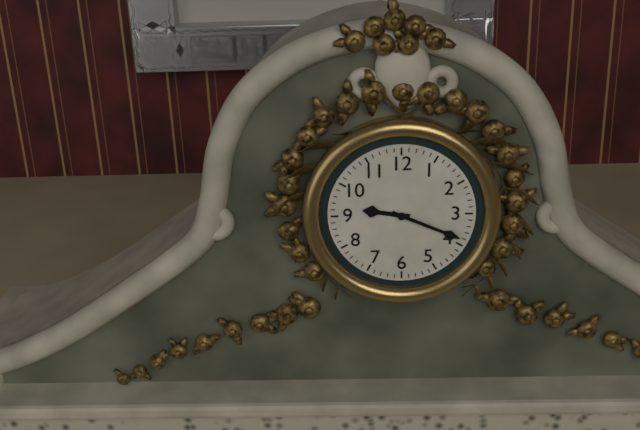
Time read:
h=9 m=19
